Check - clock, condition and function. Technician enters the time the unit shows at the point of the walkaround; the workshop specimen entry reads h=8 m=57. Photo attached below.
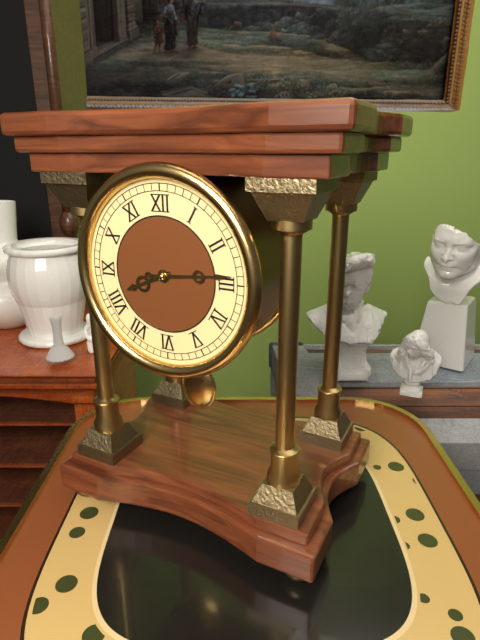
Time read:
h=8 m=14
